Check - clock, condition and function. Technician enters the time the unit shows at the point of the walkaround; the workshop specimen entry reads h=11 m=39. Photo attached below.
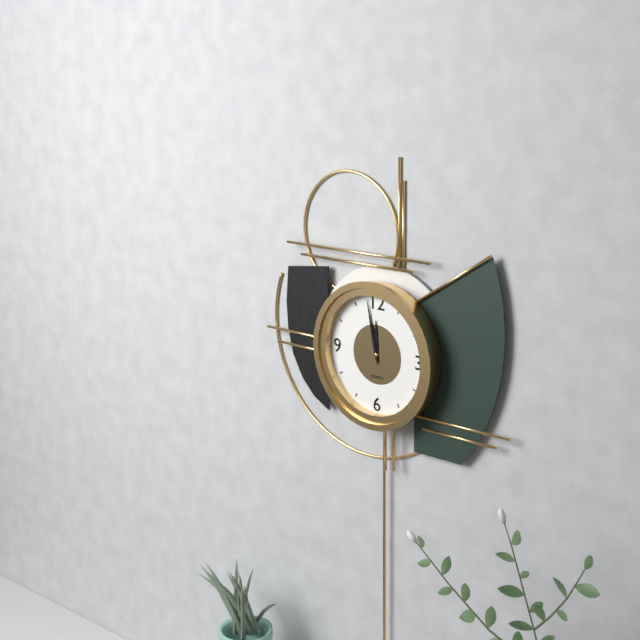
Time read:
h=11 m=58
